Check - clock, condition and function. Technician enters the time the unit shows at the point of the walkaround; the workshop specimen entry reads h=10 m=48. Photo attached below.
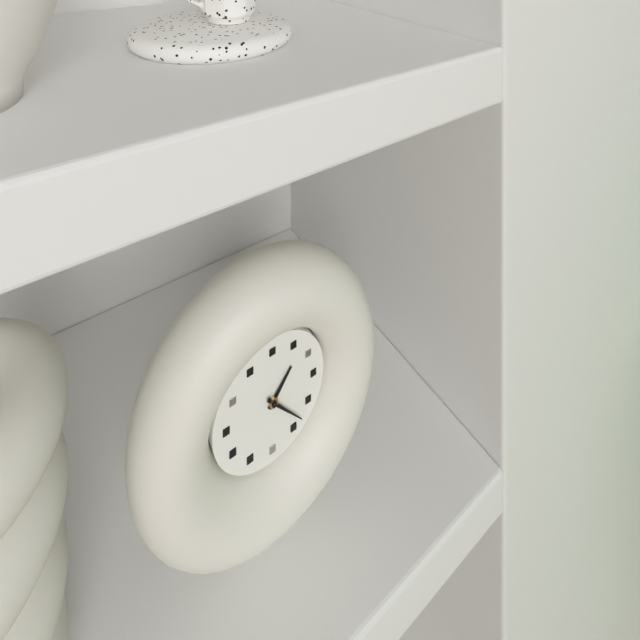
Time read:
h=1 m=23
